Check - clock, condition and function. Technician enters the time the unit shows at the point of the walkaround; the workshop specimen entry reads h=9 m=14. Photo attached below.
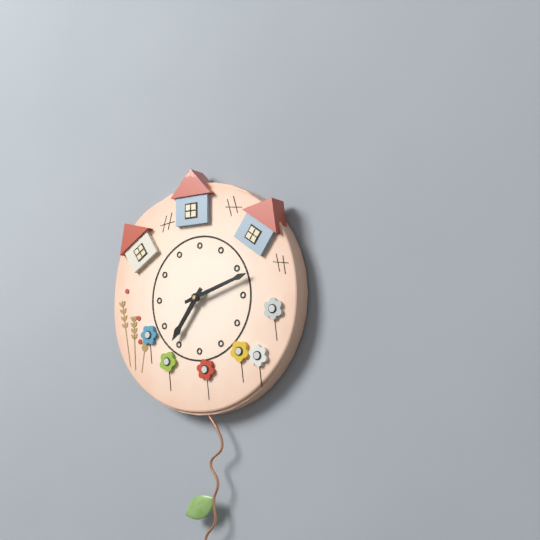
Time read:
h=7 m=12
